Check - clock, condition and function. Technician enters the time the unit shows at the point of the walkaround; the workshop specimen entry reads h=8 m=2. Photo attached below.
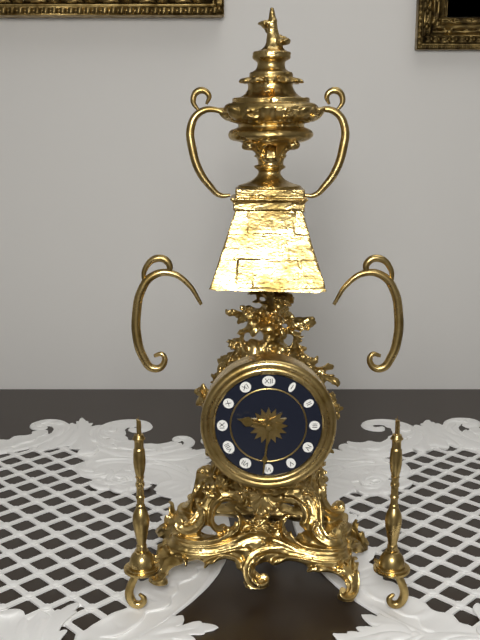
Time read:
h=9 m=31
